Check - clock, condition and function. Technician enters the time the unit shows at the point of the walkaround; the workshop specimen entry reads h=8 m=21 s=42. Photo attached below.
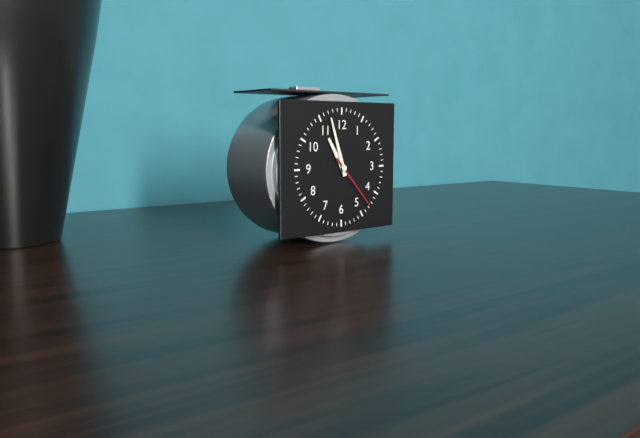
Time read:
h=10 m=57 s=23
